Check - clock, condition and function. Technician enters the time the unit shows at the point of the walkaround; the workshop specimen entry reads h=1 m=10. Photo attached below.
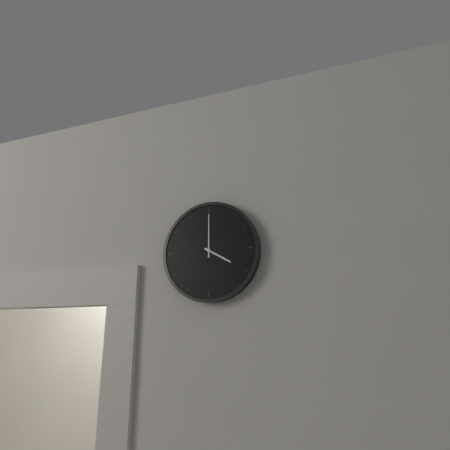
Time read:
h=4 m=0
